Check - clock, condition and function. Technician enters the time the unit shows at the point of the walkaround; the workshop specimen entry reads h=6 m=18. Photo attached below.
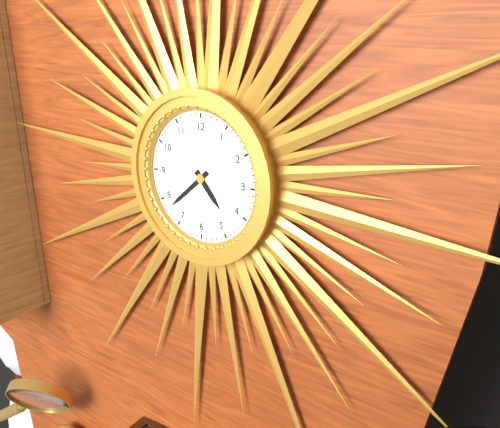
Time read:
h=4 m=38
